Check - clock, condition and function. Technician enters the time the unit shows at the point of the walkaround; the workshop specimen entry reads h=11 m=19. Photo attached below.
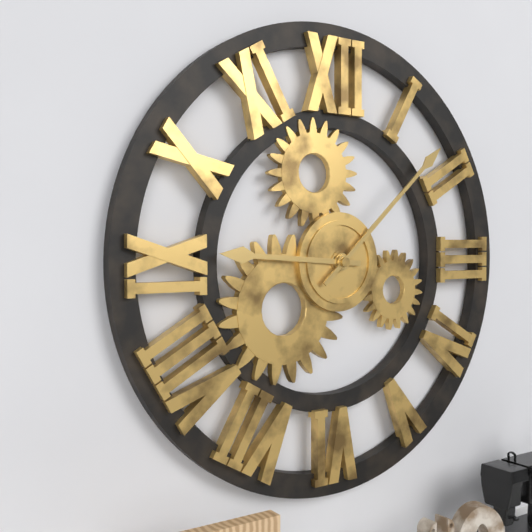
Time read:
h=9 m=8
